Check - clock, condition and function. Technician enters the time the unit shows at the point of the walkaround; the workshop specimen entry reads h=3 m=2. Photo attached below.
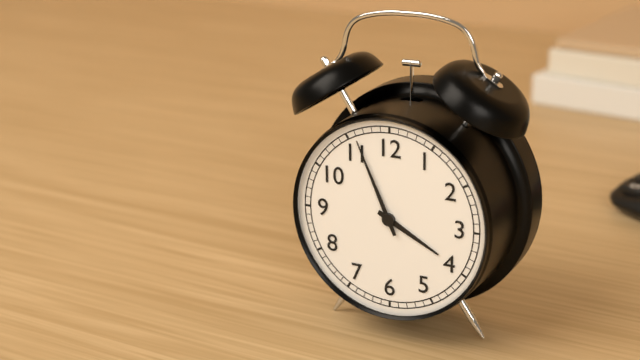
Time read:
h=3 m=56
